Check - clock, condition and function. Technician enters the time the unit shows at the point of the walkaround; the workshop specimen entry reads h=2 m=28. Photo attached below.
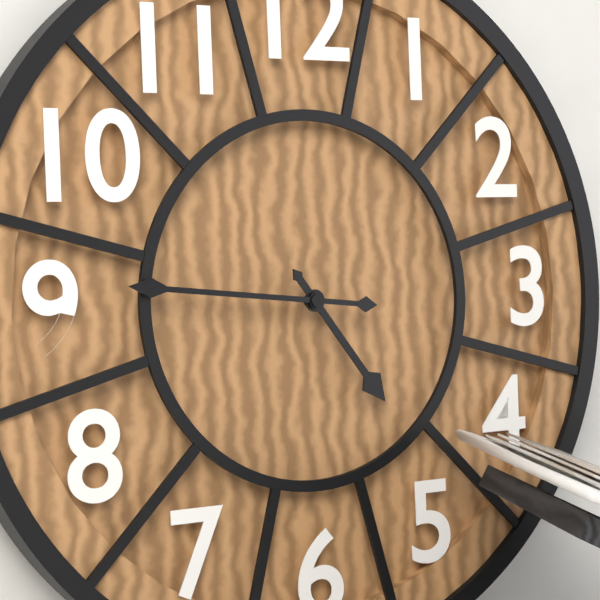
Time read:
h=4 m=46
